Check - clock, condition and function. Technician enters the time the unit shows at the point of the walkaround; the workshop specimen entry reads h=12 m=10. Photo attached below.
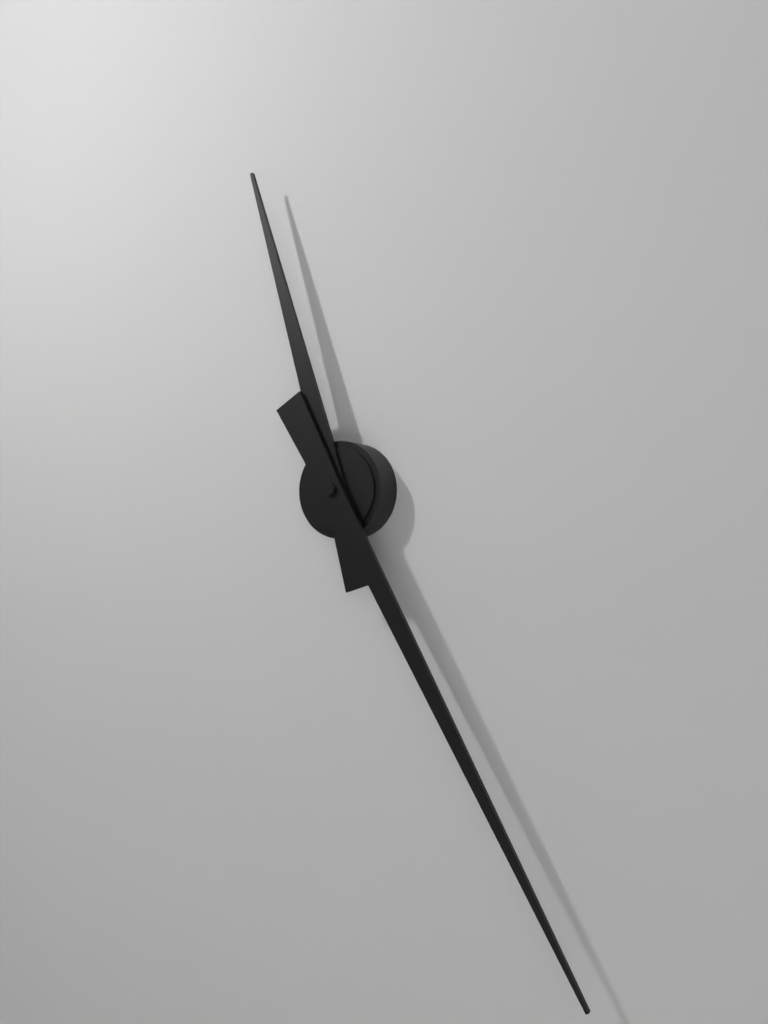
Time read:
h=11 m=25
